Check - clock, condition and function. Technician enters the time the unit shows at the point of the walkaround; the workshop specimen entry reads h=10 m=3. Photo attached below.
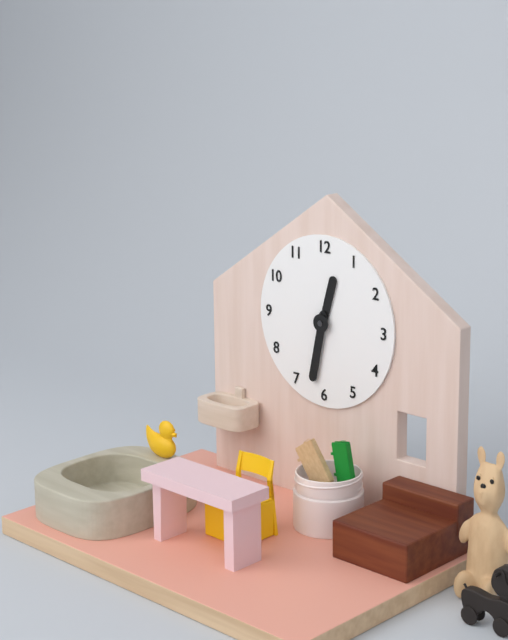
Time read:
h=12 m=32
